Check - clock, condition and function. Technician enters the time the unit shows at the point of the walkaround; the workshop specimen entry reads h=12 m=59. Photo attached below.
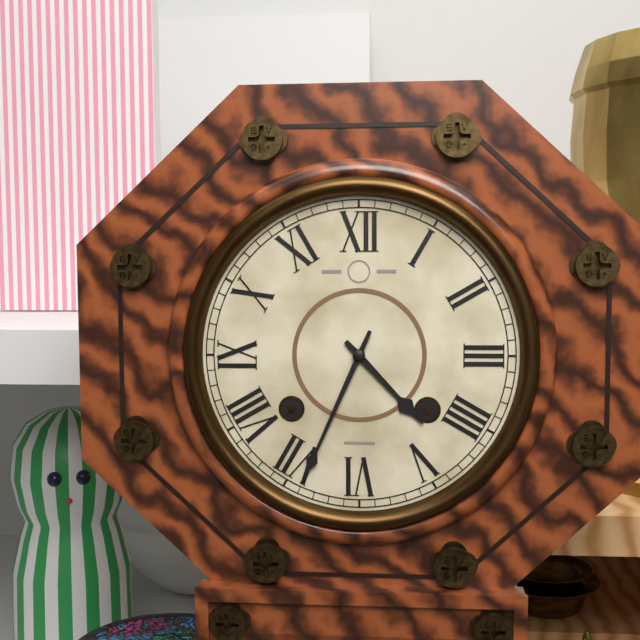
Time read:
h=4 m=34
